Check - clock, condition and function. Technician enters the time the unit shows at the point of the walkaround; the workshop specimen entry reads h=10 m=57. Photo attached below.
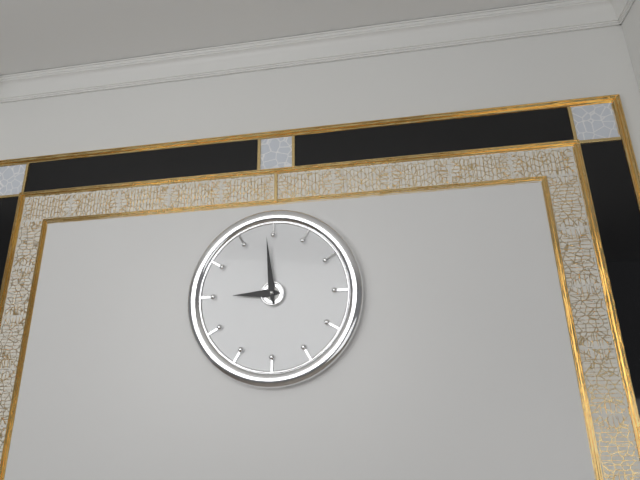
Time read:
h=8 m=59
